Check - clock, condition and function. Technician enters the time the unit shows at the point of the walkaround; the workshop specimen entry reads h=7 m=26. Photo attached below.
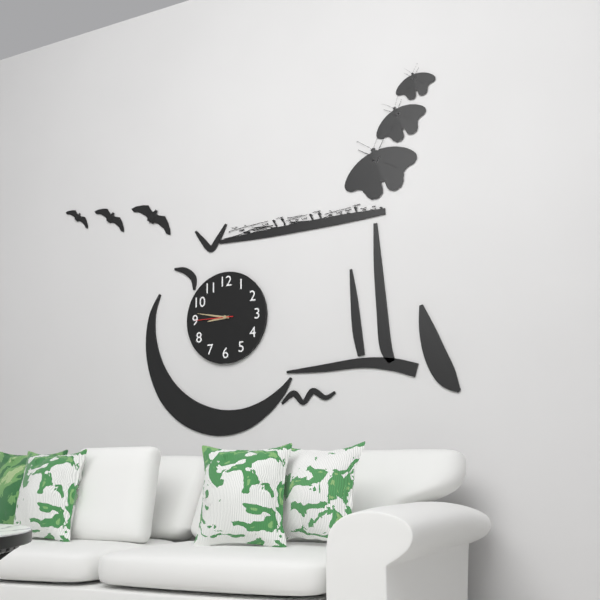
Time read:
h=8 m=47
